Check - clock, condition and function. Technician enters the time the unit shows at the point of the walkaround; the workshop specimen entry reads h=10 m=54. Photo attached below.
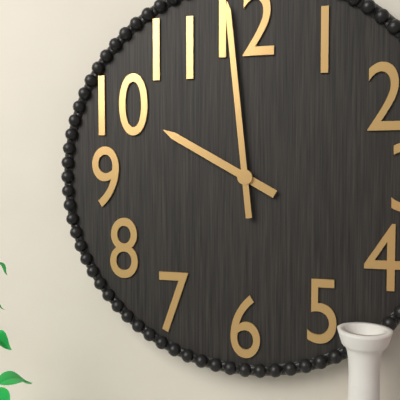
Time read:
h=9 m=59
